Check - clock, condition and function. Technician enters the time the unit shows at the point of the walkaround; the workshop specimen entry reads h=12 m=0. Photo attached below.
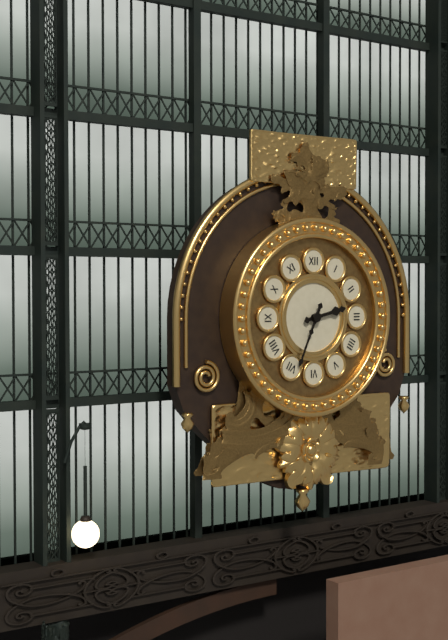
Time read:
h=2 m=34
